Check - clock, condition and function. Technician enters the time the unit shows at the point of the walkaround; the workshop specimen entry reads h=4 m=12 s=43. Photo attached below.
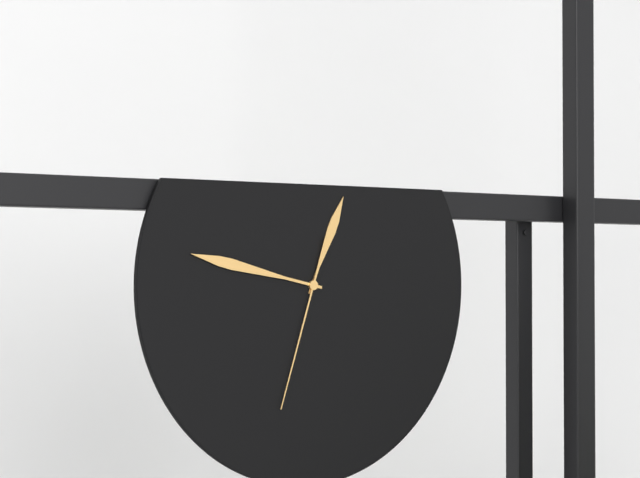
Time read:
h=12 m=47 s=33
